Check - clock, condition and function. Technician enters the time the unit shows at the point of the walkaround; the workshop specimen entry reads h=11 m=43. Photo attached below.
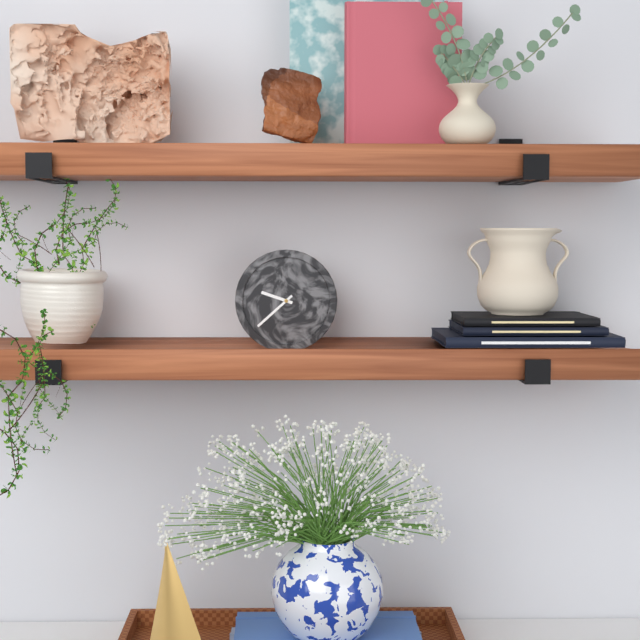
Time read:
h=9 m=38
